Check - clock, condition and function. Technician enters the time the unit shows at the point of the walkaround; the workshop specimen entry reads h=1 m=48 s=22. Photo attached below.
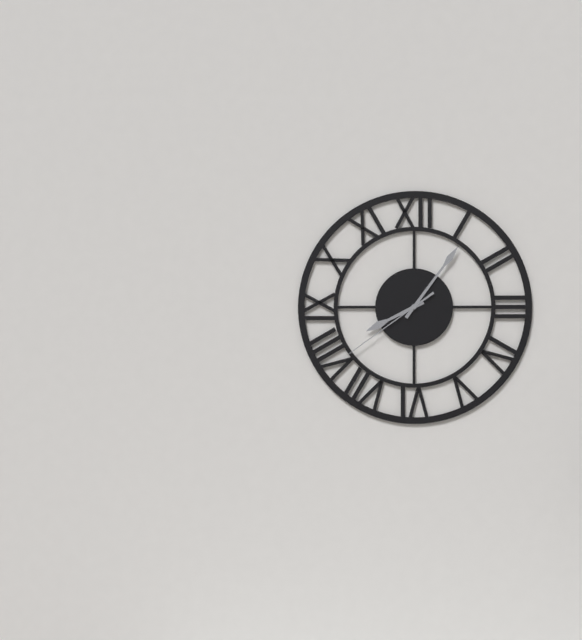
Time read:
h=8 m=6 s=39
